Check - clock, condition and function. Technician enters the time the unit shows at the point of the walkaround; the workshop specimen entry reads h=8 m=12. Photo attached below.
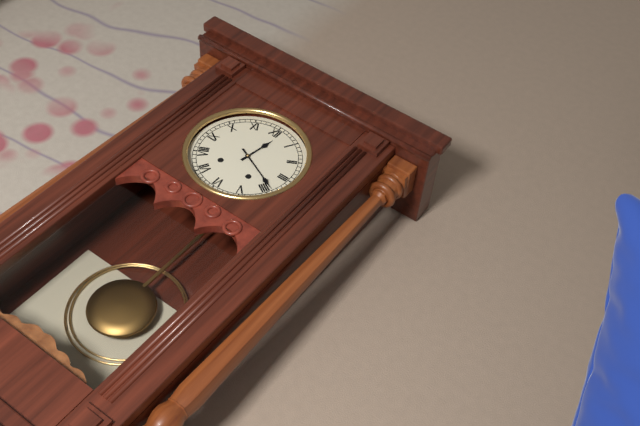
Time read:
h=12 m=19
